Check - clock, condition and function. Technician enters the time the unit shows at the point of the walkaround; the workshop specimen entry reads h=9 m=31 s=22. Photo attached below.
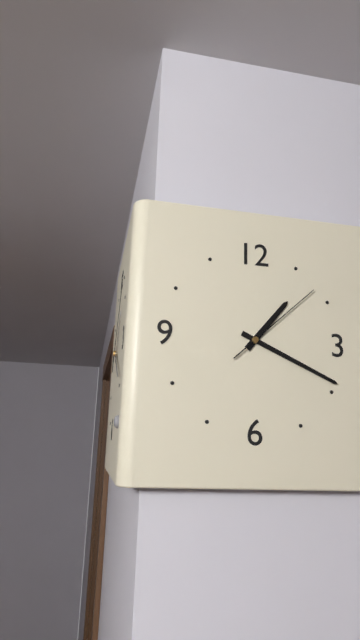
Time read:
h=1 m=19 s=8
